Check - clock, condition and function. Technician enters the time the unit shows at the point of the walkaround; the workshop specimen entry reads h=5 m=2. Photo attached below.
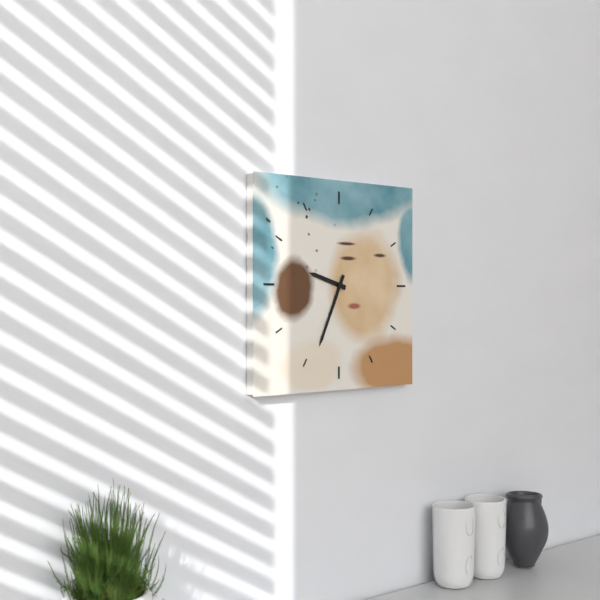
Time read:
h=9 m=34
